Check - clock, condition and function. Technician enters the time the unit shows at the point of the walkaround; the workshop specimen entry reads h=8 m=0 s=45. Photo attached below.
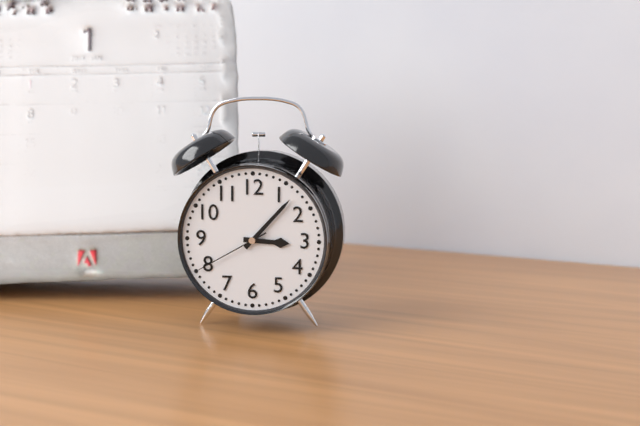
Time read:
h=3 m=7 s=40
